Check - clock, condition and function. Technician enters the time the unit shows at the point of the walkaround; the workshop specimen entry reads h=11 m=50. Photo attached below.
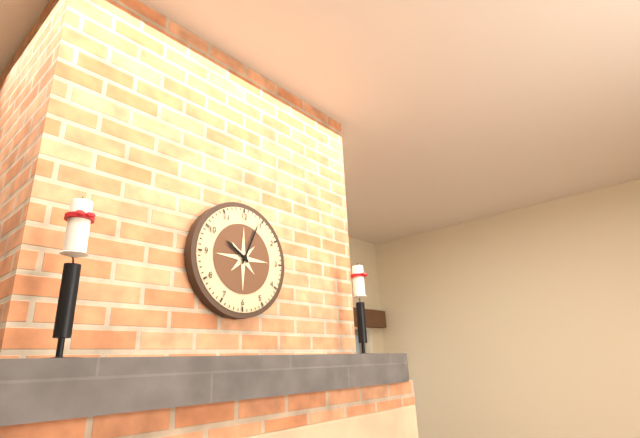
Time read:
h=10 m=4
